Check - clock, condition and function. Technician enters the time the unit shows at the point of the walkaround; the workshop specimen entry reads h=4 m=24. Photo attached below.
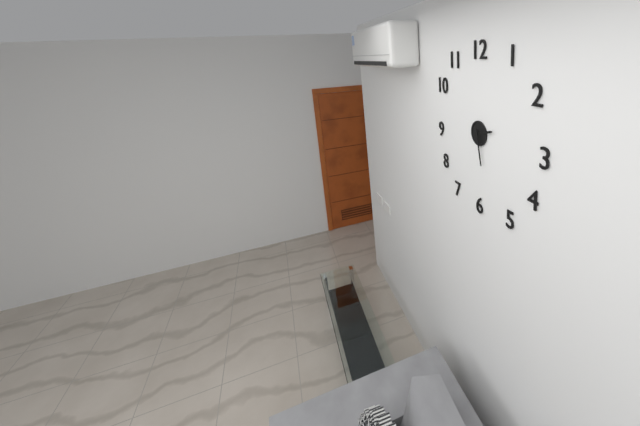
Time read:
h=2 m=28
